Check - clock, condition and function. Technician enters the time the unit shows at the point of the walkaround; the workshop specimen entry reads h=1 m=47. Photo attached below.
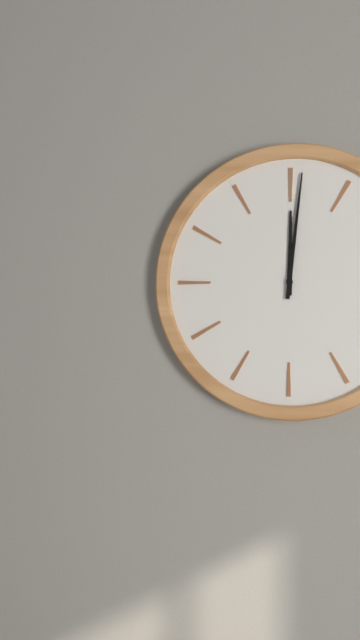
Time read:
h=12 m=1
